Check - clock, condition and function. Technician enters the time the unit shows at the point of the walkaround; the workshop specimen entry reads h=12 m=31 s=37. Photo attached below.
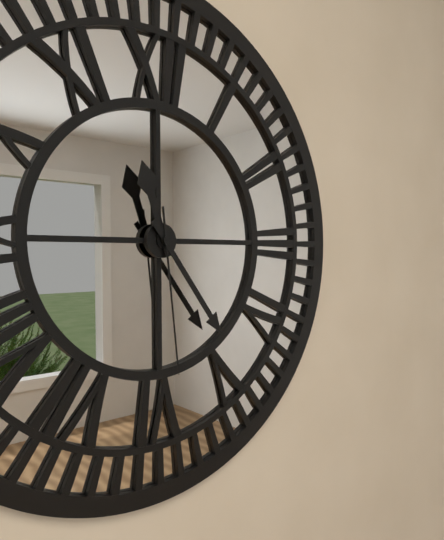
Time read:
h=11 m=24 s=29
